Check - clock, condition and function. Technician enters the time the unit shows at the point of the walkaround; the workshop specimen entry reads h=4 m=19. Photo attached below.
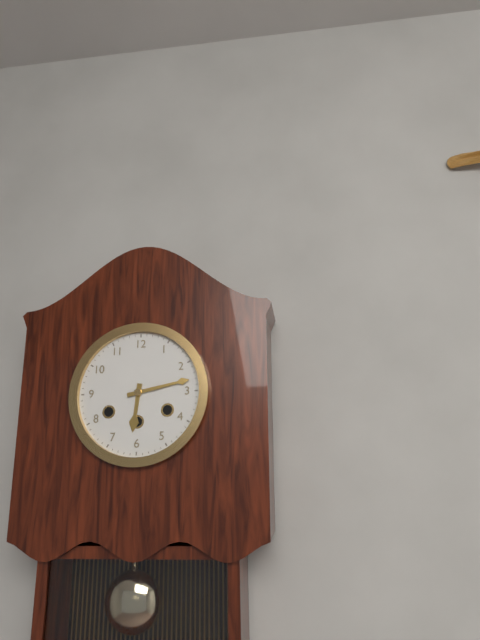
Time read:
h=6 m=13
